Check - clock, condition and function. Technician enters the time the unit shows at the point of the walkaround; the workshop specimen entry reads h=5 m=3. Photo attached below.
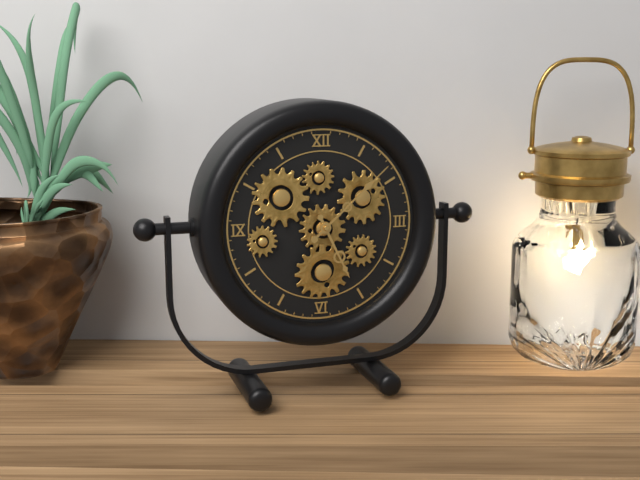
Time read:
h=5 m=8
